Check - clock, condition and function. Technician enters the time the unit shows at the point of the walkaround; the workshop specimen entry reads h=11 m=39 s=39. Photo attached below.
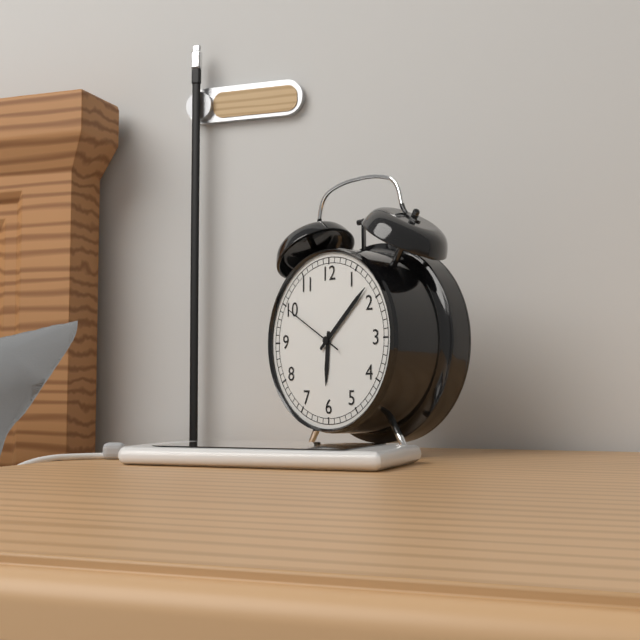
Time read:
h=6 m=8 s=50
